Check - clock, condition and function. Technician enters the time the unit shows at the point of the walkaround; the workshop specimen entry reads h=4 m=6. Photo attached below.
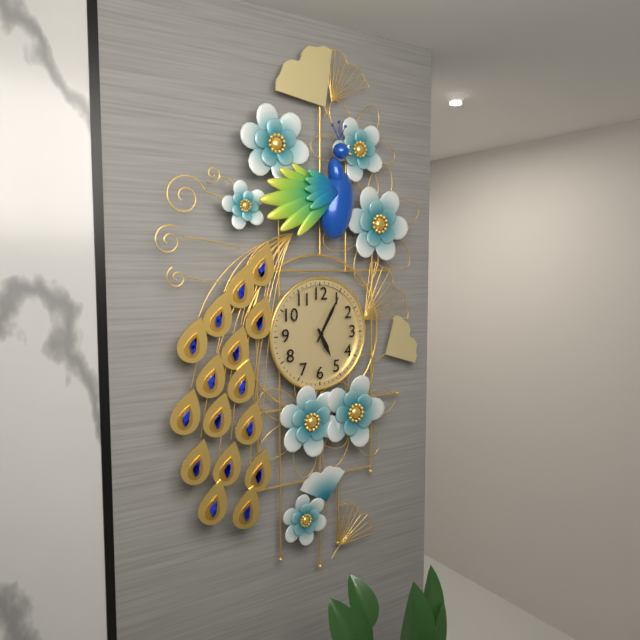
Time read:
h=5 m=5
